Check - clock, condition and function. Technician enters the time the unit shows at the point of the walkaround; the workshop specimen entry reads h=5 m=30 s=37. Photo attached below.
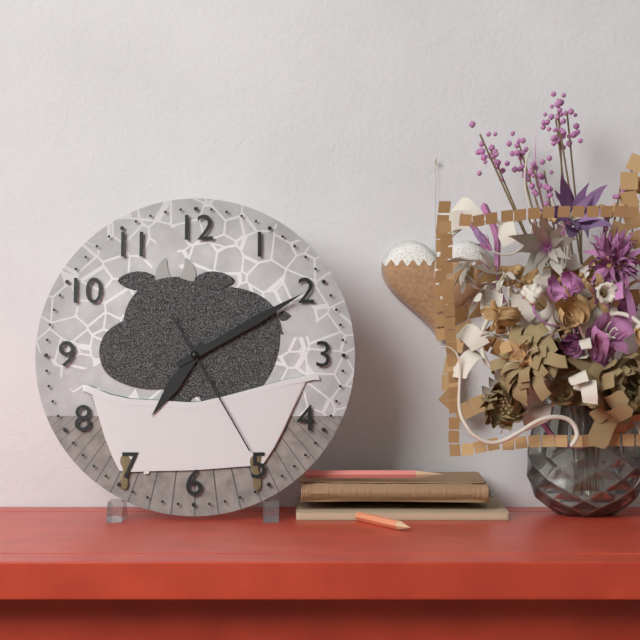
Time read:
h=7 m=10 s=25
